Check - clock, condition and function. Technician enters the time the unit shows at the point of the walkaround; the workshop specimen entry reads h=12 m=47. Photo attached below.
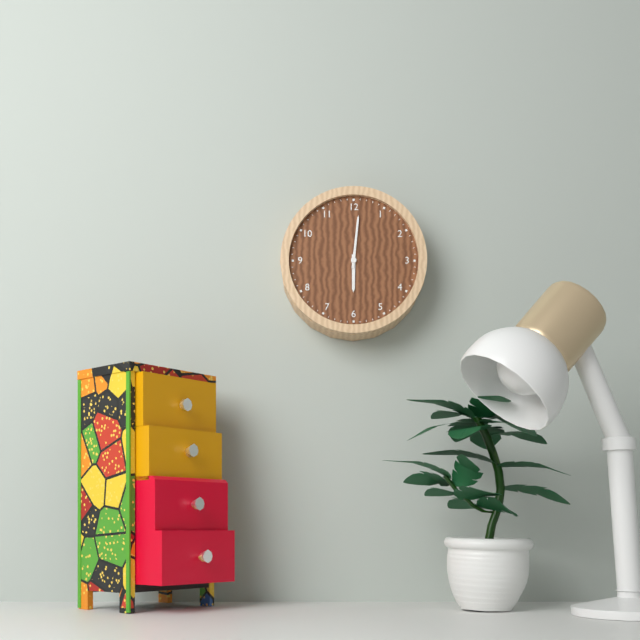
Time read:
h=6 m=1
